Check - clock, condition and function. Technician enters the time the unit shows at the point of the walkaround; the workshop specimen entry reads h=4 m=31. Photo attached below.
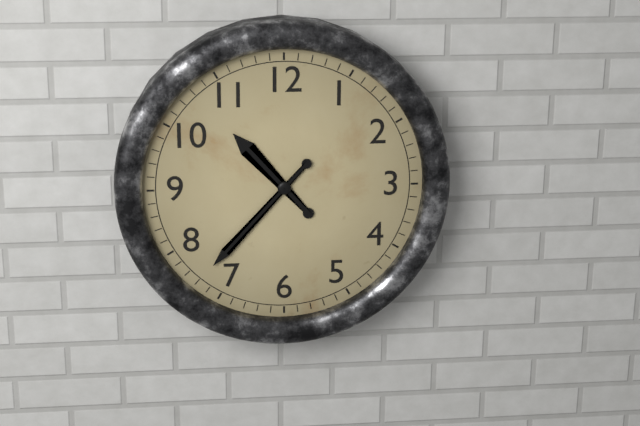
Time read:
h=10 m=37
